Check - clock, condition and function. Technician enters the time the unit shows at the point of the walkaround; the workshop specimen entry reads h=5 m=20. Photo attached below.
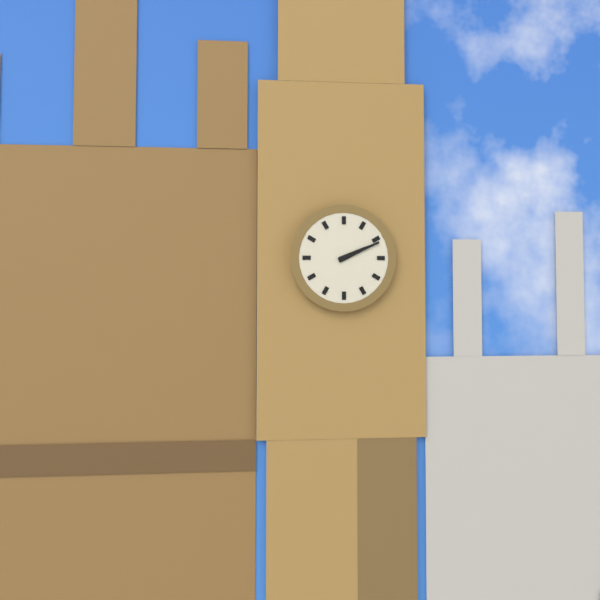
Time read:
h=2 m=11
